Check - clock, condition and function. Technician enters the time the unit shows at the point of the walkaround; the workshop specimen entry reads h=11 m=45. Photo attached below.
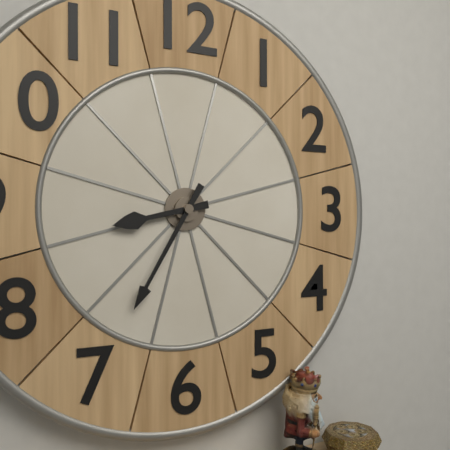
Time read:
h=8 m=35
